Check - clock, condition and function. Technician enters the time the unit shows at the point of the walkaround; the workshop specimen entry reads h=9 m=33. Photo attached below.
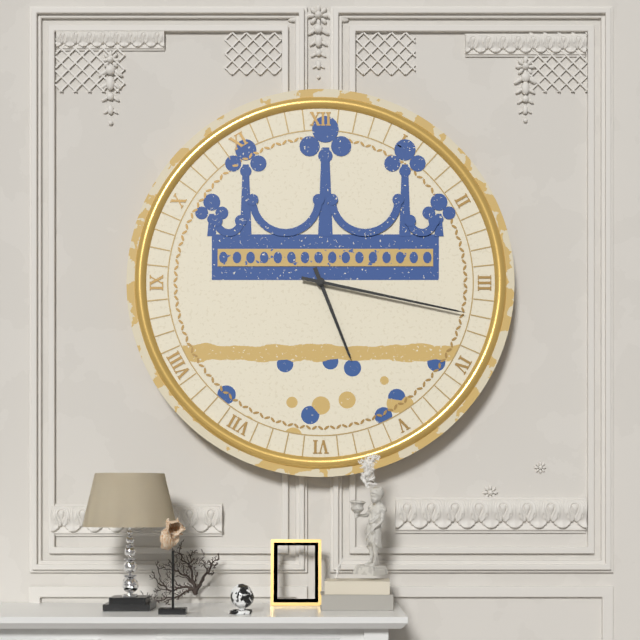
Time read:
h=5 m=17
